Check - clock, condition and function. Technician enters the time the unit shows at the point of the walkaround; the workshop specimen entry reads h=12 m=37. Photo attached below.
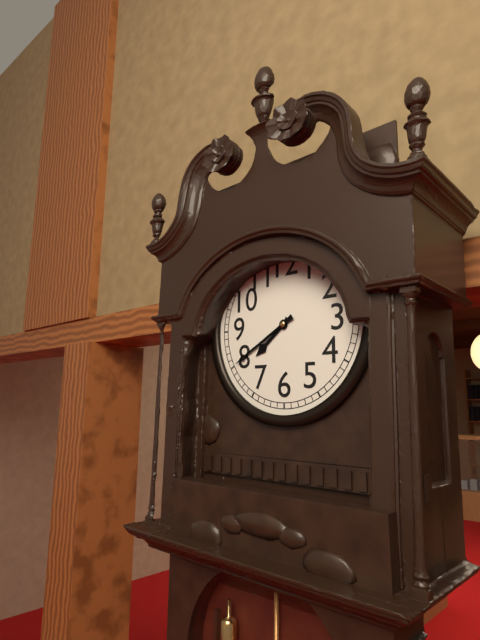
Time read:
h=7 m=40
